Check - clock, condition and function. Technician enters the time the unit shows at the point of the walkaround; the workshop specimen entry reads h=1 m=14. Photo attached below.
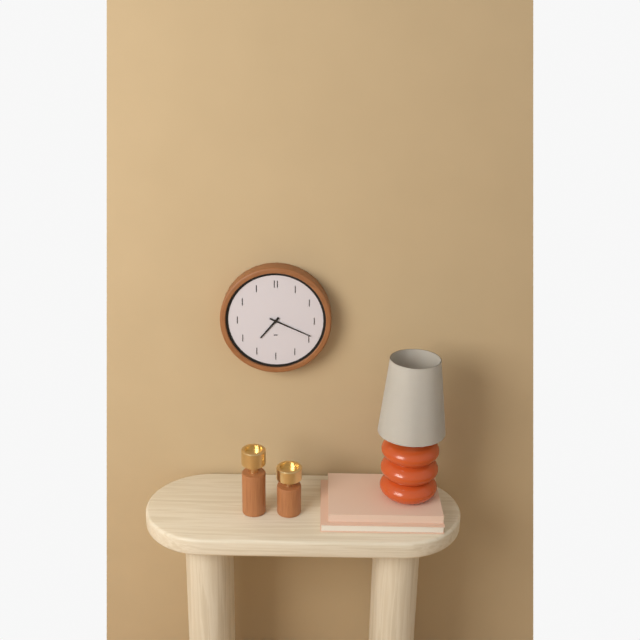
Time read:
h=7 m=19
